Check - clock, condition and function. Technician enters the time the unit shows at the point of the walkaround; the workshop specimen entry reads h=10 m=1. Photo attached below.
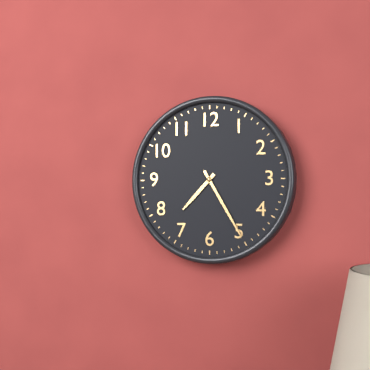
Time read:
h=7 m=25
